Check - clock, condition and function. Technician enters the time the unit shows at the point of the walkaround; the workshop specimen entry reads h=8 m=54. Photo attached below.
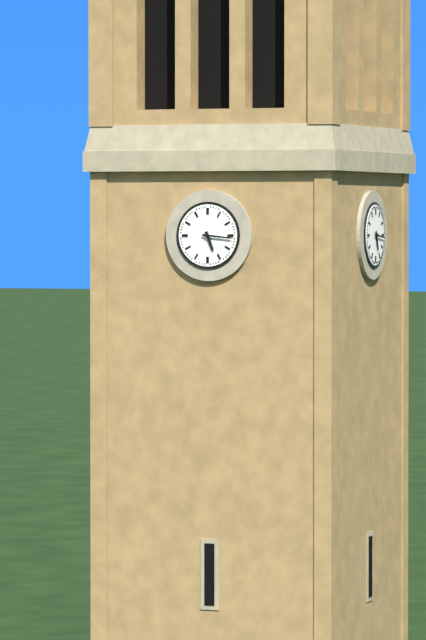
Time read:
h=5 m=16
